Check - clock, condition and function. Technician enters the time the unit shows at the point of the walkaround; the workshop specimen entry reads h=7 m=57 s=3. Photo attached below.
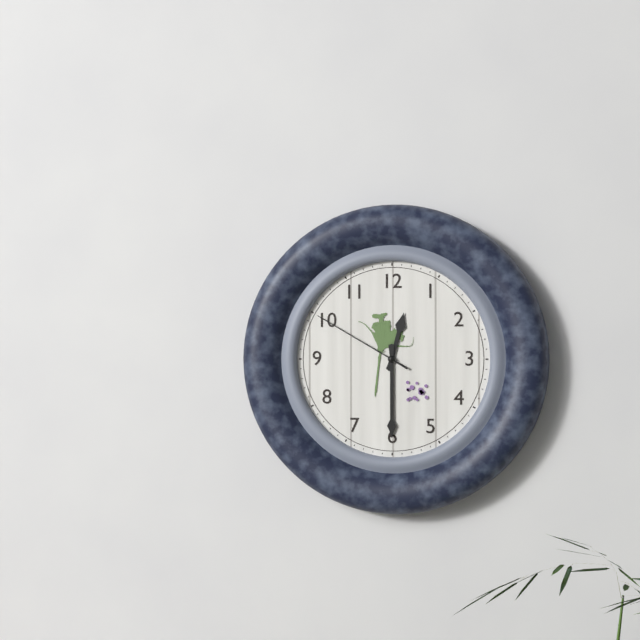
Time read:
h=12 m=30 s=50
